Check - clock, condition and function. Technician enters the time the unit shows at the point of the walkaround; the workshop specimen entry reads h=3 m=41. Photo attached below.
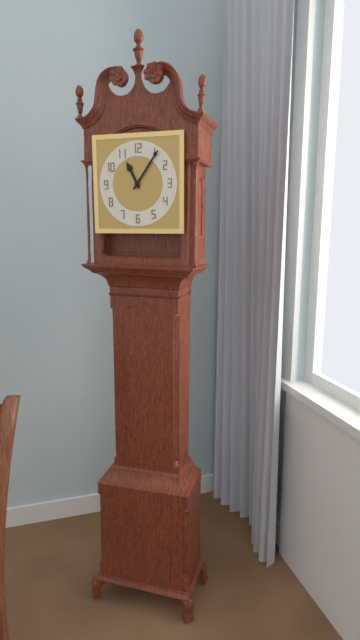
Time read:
h=11 m=6
